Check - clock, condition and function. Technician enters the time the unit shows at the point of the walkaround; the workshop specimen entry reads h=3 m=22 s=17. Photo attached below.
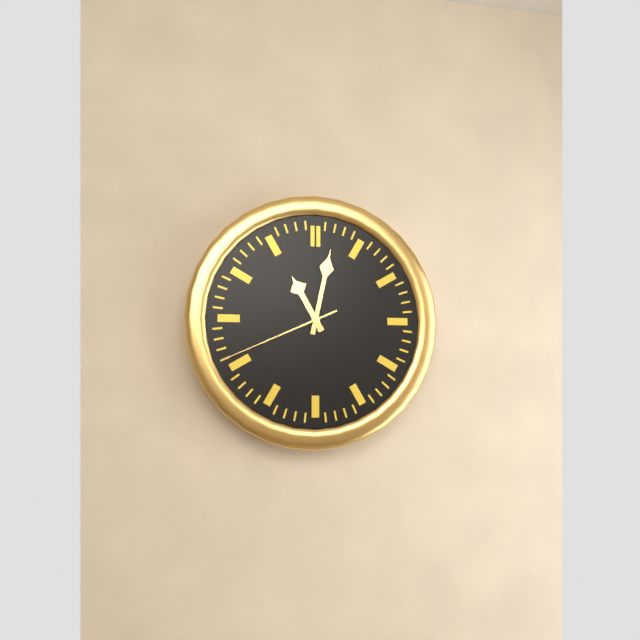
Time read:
h=11 m=2 s=41
